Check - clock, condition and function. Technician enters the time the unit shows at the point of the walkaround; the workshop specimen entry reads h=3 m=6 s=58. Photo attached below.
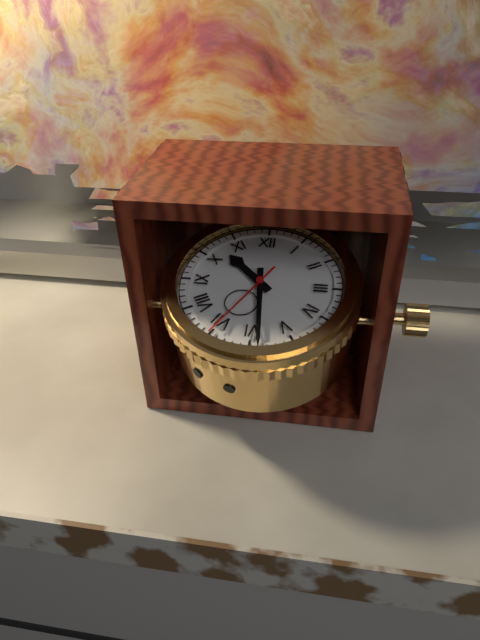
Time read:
h=10 m=29 s=35
